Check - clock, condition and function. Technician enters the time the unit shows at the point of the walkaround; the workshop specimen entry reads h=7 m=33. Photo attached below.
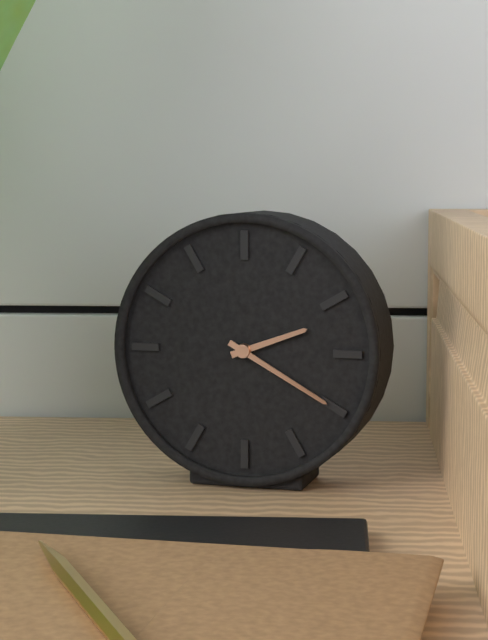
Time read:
h=2 m=20
